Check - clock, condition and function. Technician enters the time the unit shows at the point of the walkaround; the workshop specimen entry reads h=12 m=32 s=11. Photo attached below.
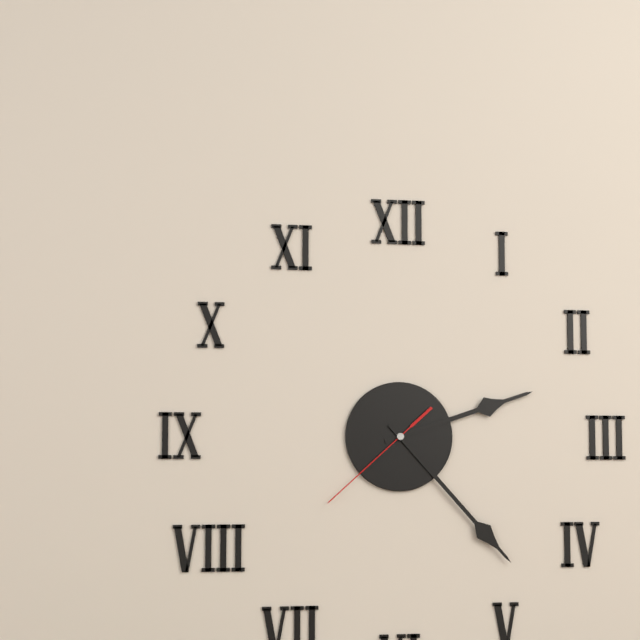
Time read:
h=2 m=23 s=38
